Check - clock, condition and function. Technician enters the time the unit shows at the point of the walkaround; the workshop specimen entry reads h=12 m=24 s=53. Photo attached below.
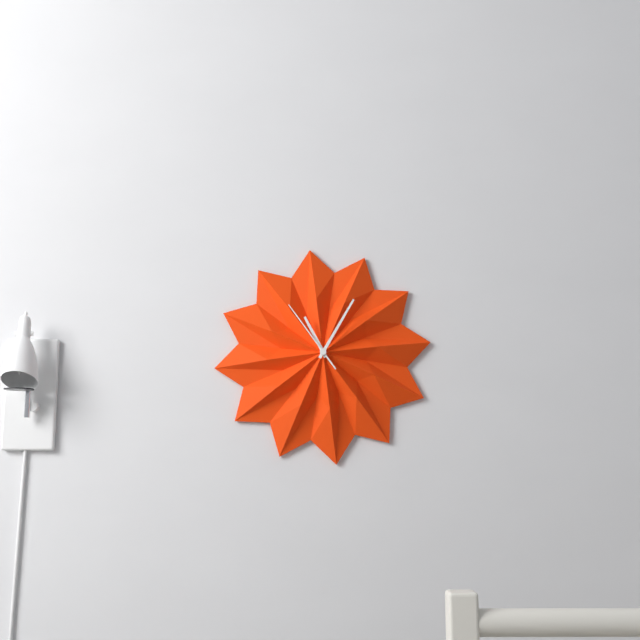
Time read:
h=11 m=5 s=54
